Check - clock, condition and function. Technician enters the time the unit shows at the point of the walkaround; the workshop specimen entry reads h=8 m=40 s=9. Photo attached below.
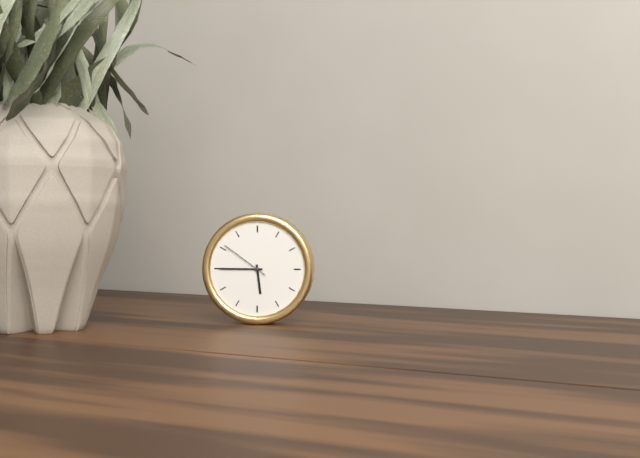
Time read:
h=5 m=45 s=51
